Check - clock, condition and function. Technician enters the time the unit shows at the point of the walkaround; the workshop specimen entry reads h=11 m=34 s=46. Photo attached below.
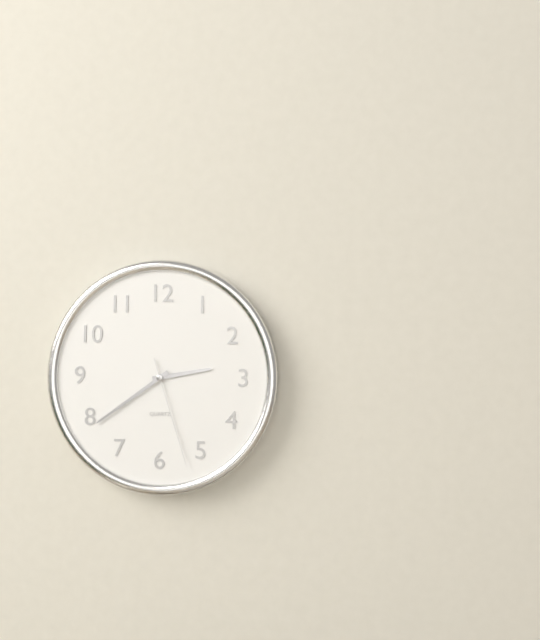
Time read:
h=2 m=39 s=27
